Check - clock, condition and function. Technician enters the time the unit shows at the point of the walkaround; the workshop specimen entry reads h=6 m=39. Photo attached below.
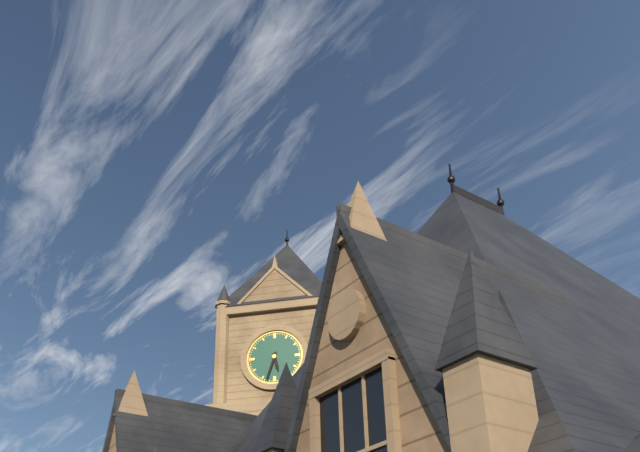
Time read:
h=5 m=33
